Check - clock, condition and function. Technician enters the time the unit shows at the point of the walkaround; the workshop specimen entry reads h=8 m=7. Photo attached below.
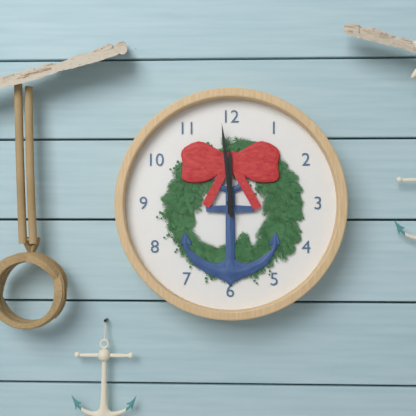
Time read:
h=11 m=59
